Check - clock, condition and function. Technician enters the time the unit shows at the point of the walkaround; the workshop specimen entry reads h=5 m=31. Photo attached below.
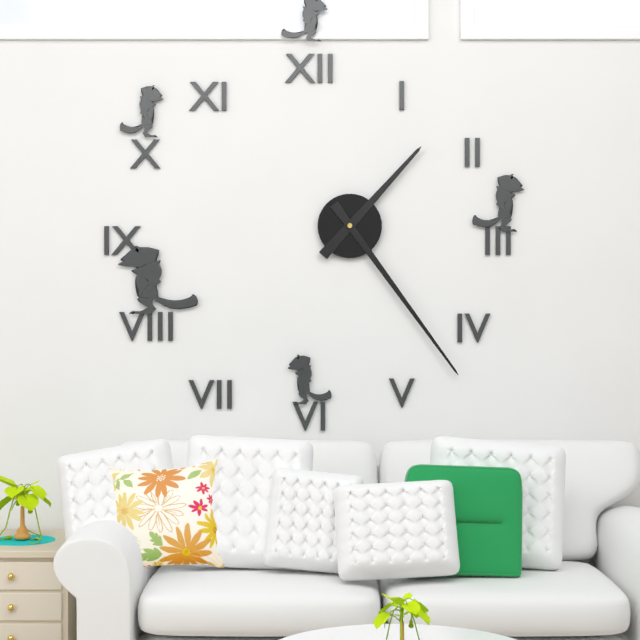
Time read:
h=1 m=24
